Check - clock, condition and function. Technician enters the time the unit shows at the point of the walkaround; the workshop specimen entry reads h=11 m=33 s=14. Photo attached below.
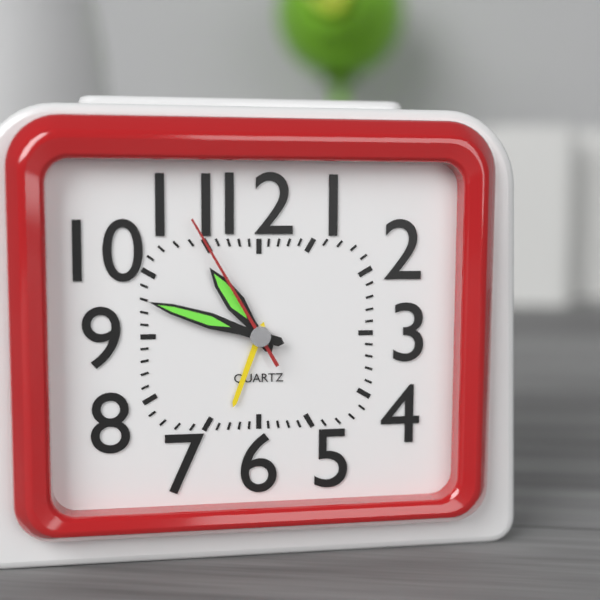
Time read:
h=10 m=48 s=55
